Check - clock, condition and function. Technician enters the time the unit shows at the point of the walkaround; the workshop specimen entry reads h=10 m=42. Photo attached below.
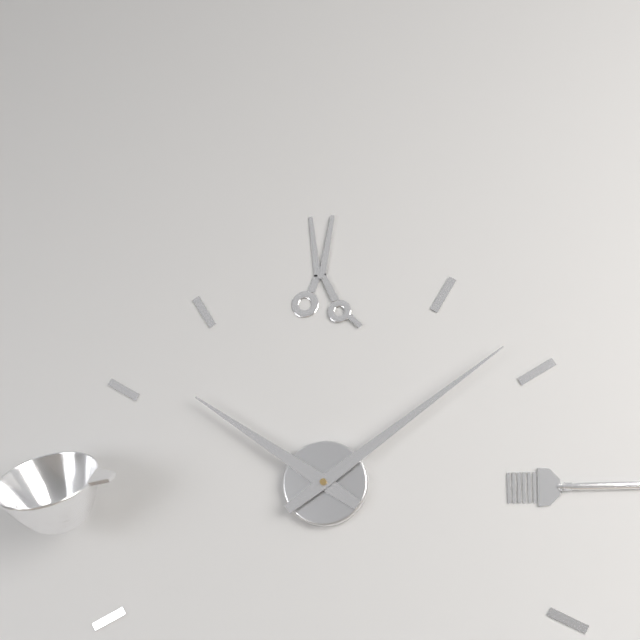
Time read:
h=10 m=9
